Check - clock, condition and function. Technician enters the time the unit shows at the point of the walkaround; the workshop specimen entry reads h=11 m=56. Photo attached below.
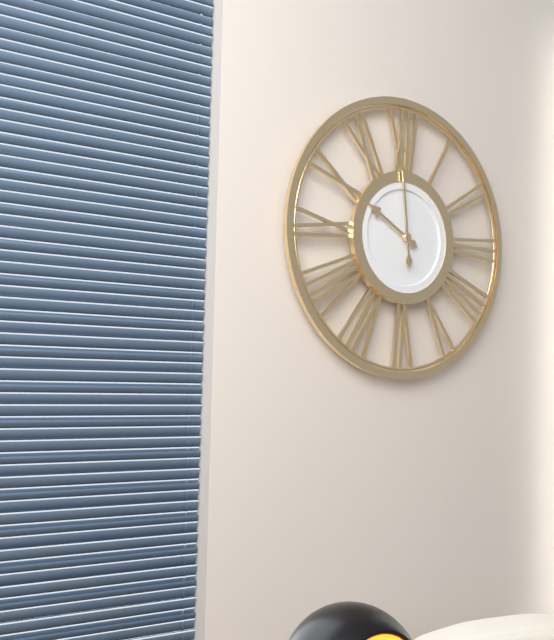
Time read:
h=9 m=59
